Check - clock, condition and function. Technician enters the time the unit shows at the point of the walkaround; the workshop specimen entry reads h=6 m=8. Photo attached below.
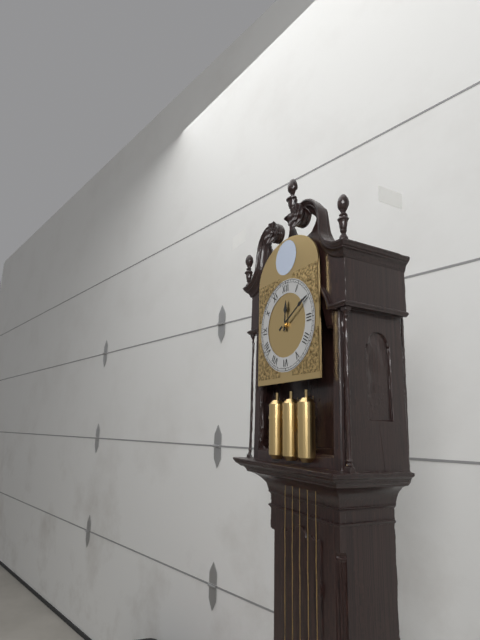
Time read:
h=12 m=10
